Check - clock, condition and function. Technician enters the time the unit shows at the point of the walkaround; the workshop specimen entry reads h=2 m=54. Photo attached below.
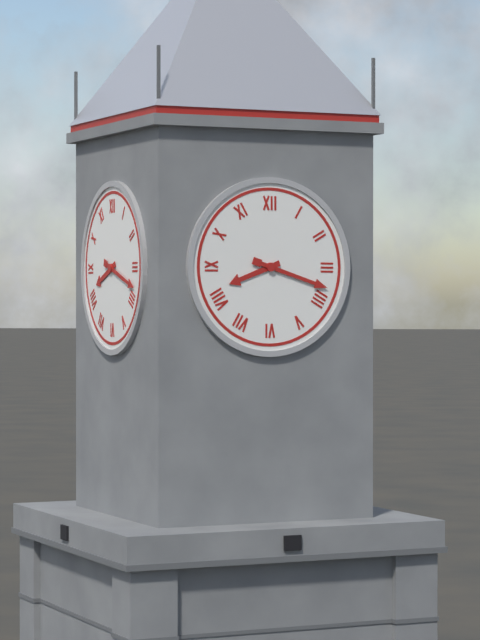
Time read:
h=8 m=18
